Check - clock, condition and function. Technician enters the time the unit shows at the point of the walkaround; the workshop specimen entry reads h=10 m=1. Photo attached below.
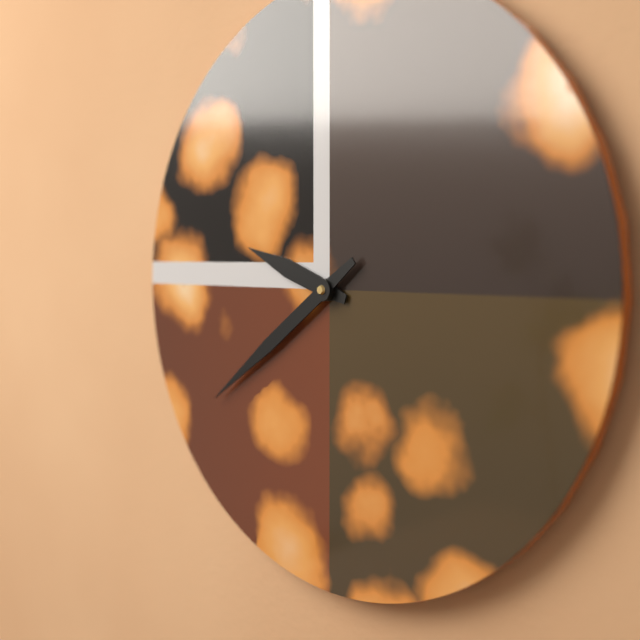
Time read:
h=9 m=39
